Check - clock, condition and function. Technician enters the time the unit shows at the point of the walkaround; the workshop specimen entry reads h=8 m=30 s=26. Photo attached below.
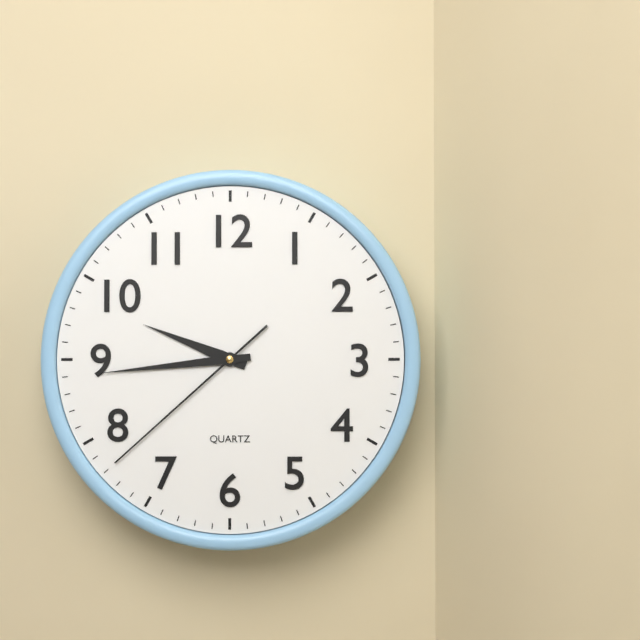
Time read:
h=9 m=44 s=38
